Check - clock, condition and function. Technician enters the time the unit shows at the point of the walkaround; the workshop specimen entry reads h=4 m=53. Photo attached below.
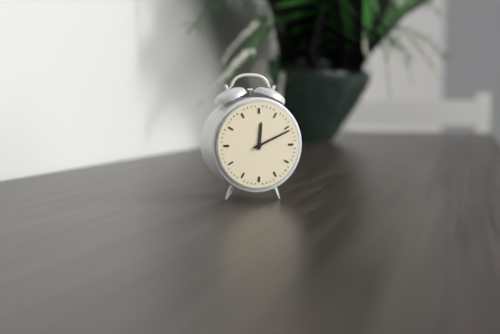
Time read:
h=12 m=11
